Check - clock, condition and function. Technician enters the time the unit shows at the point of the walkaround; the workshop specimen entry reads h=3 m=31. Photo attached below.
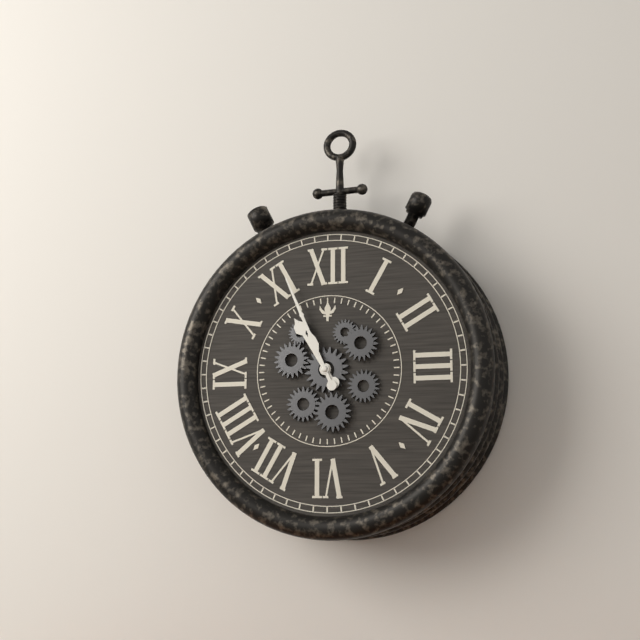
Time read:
h=10 m=56
